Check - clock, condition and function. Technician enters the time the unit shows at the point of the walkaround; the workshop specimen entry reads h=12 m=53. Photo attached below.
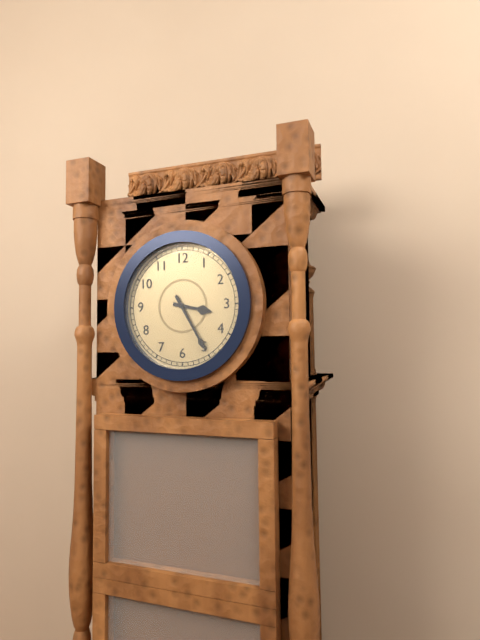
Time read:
h=3 m=25
